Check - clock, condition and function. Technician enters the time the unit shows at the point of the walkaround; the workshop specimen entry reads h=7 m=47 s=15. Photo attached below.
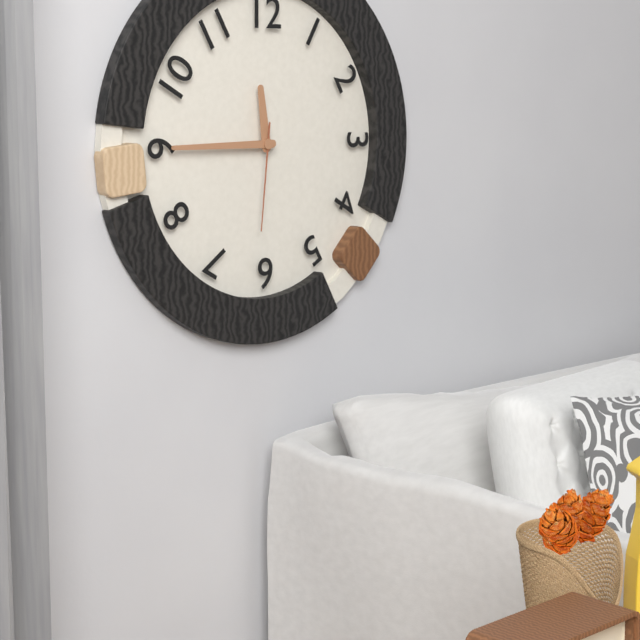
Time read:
h=11 m=45 s=31
